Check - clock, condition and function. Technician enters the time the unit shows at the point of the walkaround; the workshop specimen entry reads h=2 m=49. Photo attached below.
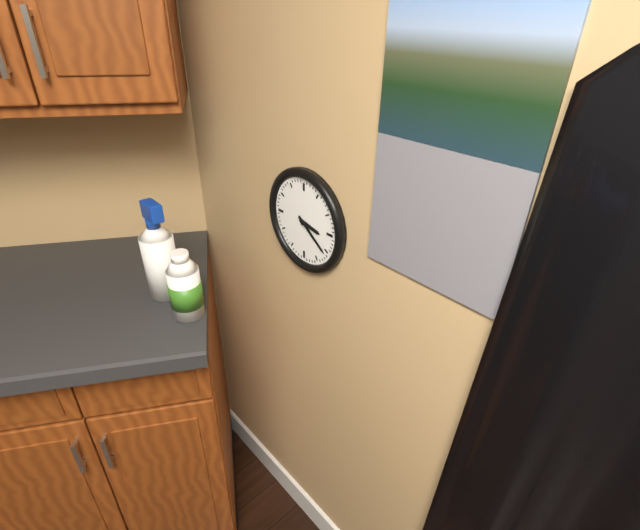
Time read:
h=3 m=21
